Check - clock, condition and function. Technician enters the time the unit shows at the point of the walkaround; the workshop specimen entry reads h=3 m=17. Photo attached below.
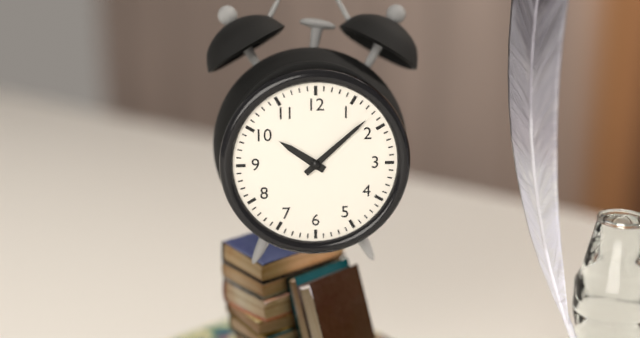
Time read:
h=10 m=8
